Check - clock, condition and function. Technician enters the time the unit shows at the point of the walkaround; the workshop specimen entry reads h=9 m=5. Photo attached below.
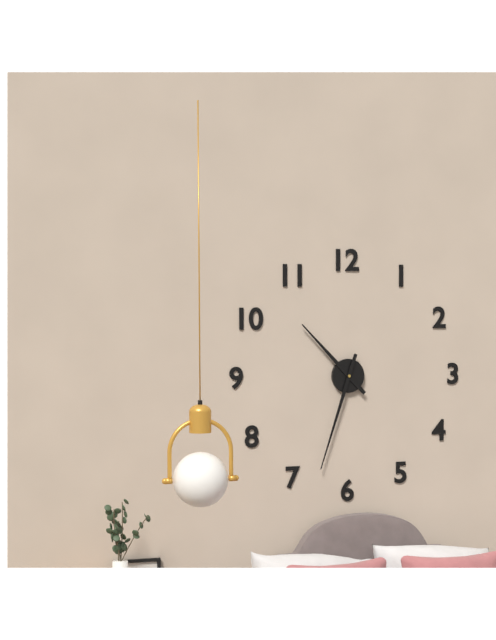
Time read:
h=10 m=33
